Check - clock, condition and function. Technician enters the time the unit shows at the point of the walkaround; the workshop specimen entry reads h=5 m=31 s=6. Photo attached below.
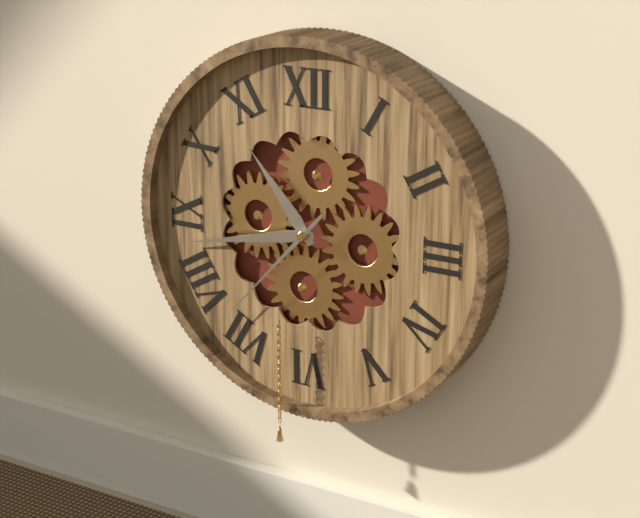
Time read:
h=10 m=43 s=37
